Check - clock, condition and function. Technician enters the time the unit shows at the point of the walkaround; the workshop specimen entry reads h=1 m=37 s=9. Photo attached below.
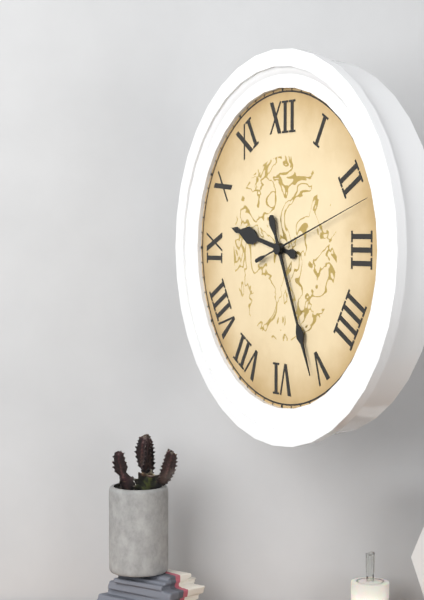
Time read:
h=9 m=26 s=12
